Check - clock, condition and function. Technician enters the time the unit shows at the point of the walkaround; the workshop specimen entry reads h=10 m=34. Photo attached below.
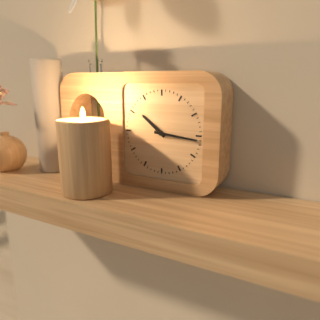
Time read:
h=10 m=16
